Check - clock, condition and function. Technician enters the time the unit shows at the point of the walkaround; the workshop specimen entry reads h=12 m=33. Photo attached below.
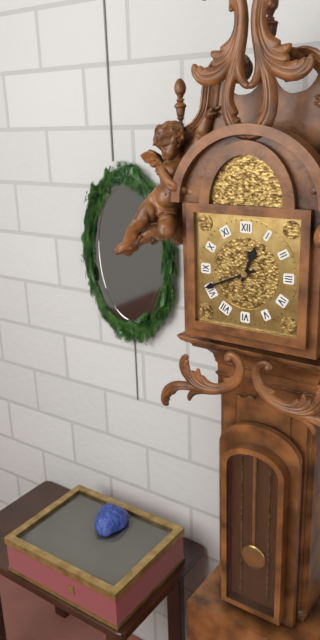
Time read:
h=12 m=41
